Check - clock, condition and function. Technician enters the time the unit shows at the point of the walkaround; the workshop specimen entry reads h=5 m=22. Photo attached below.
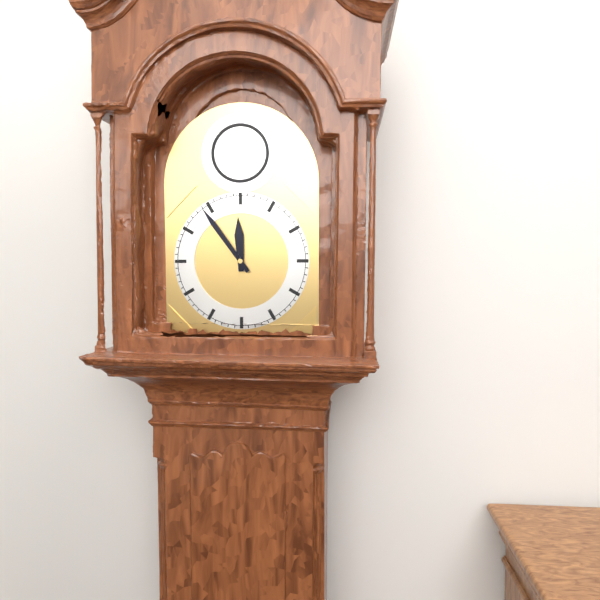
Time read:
h=11 m=54
